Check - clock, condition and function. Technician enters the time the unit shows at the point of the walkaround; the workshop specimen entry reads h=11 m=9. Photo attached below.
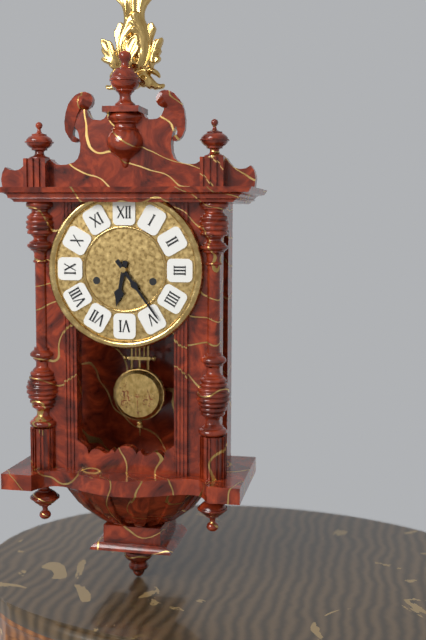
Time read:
h=6 m=24
